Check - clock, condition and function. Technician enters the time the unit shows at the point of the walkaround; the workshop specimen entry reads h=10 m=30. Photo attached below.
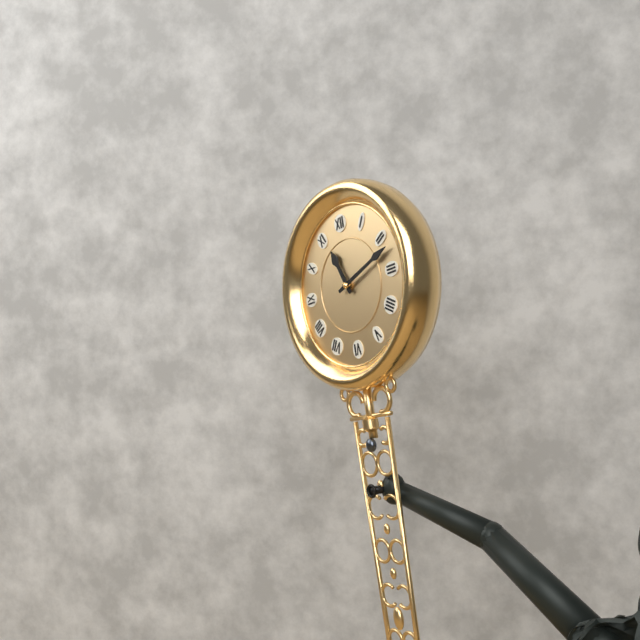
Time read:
h=11 m=12
